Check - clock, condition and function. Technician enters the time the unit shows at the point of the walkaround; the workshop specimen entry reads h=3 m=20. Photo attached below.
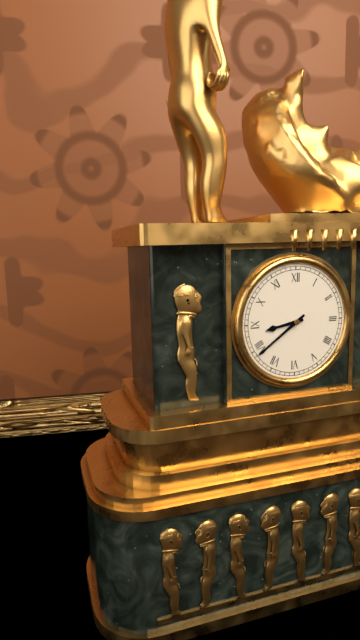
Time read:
h=8 m=39
